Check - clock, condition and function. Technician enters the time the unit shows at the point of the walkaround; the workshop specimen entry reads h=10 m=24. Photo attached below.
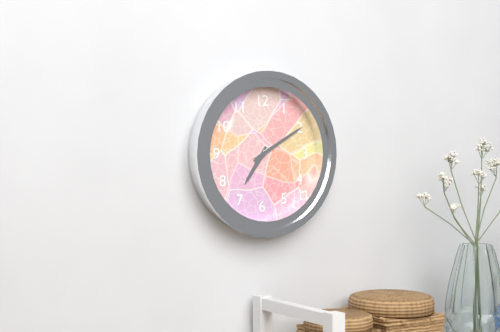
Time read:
h=7 m=10
